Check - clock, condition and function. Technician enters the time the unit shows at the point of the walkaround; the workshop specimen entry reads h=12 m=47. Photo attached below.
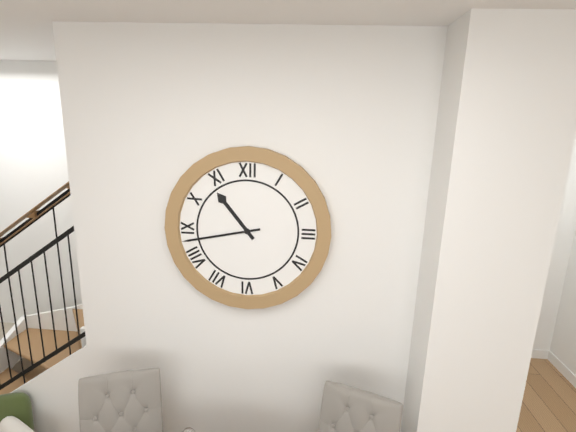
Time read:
h=10 m=43
